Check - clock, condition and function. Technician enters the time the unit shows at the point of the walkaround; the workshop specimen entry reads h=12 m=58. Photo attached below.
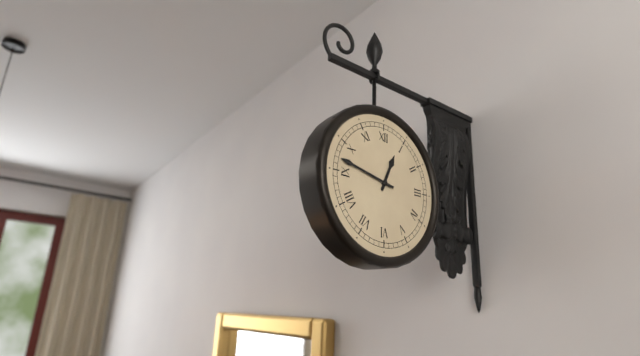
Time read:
h=12 m=47
